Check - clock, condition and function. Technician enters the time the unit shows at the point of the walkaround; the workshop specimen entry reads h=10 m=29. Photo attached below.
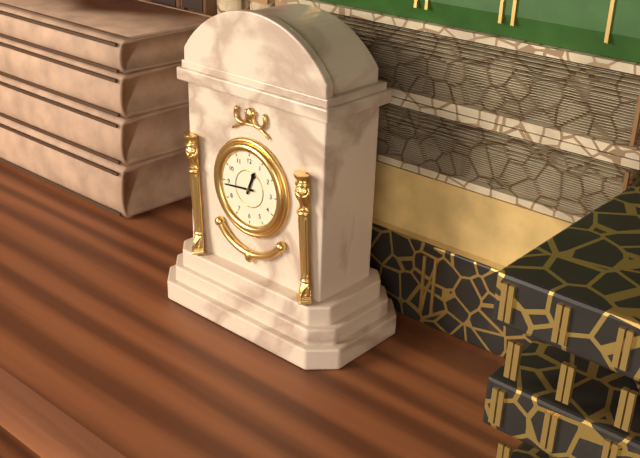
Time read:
h=12 m=44
